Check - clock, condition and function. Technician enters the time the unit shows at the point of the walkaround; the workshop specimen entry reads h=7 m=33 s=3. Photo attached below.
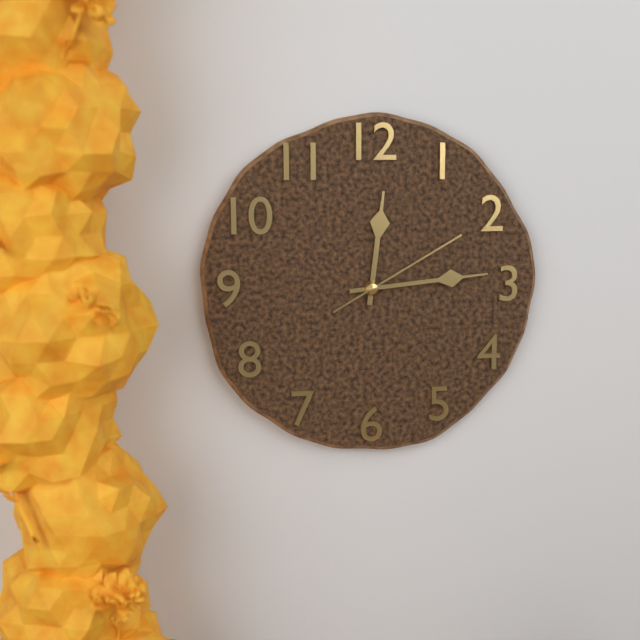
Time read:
h=12 m=14 s=10
